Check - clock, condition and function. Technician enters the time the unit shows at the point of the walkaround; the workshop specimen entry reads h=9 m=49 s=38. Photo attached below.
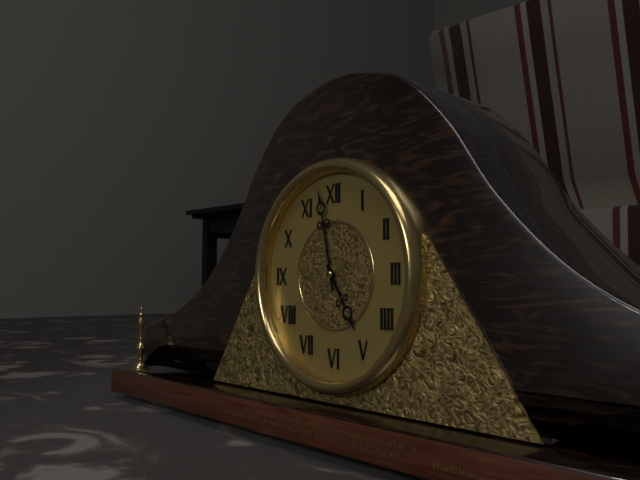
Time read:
h=4 m=58 s=40
